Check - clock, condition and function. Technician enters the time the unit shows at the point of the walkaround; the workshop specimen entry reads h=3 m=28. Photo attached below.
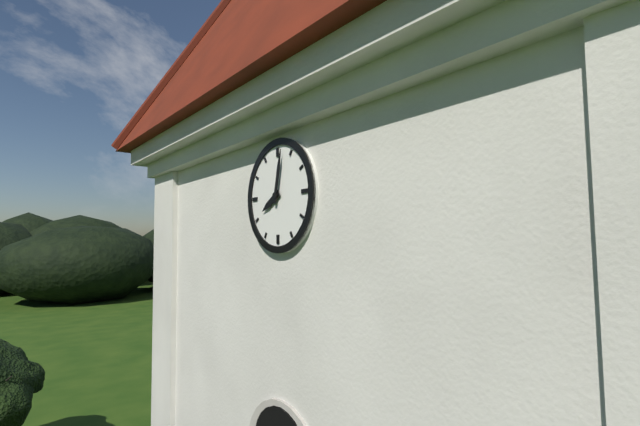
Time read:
h=8 m=2
